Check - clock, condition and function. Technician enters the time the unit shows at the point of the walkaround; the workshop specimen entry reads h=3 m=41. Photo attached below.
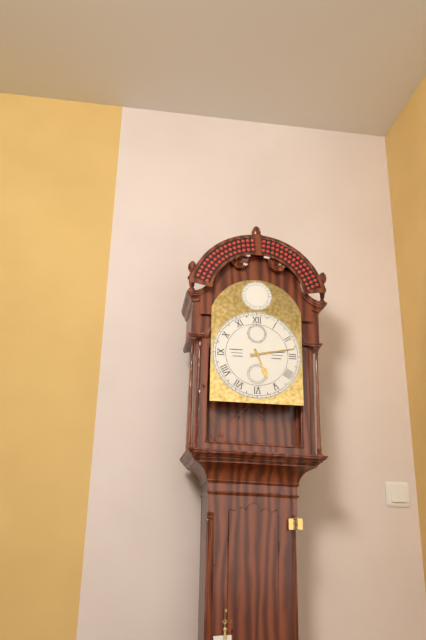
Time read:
h=5 m=13
